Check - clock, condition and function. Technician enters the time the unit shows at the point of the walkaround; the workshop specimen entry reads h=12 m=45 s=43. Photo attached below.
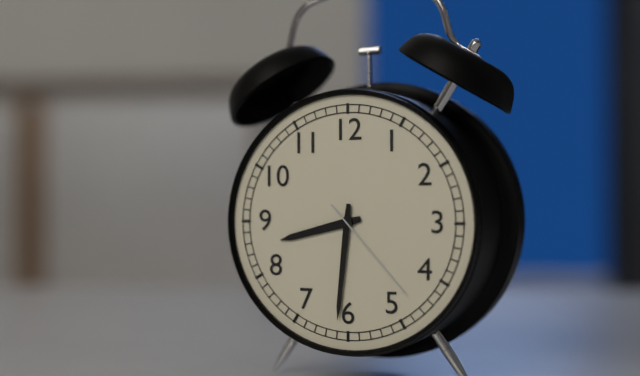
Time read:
h=8 m=31 s=23
